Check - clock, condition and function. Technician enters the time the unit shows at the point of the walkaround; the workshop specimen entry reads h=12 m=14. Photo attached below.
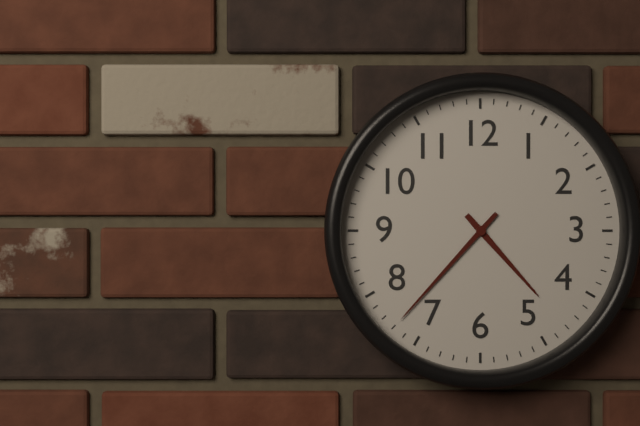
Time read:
h=4 m=37
